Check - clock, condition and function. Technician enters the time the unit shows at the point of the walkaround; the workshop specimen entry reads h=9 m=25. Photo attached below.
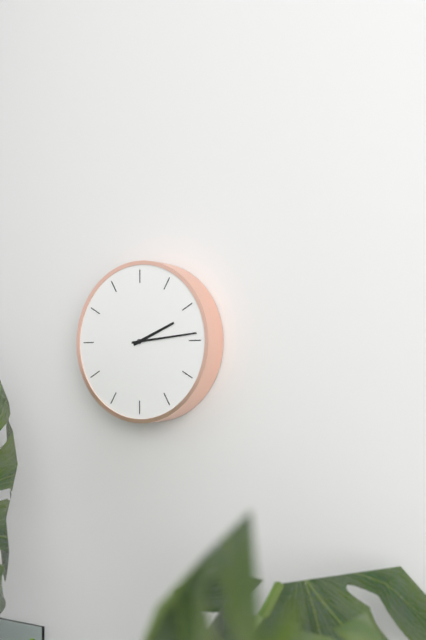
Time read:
h=2 m=14
